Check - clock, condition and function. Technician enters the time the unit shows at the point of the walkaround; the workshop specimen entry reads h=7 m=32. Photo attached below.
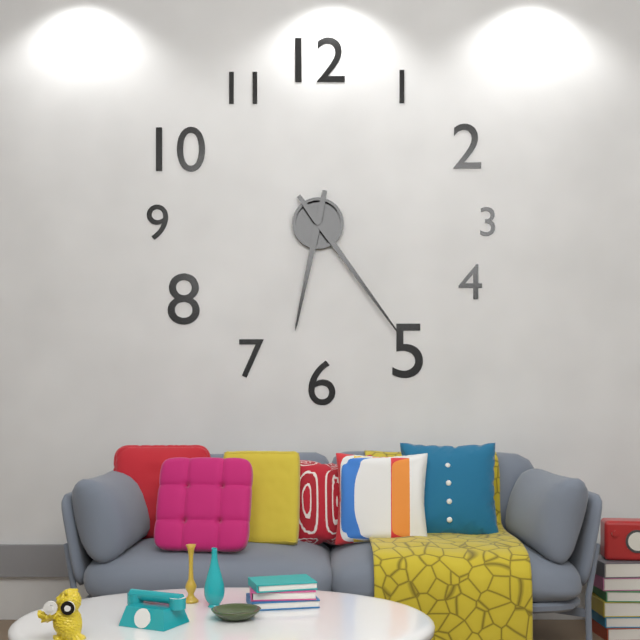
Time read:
h=6 m=24
